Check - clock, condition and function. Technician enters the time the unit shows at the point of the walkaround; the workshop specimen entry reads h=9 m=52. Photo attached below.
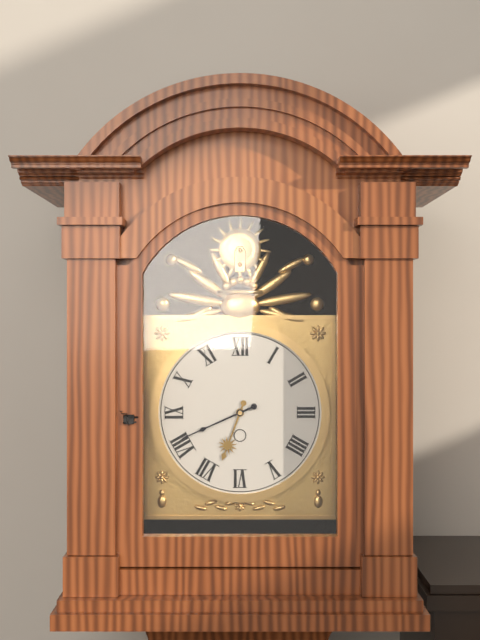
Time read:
h=6 m=41
